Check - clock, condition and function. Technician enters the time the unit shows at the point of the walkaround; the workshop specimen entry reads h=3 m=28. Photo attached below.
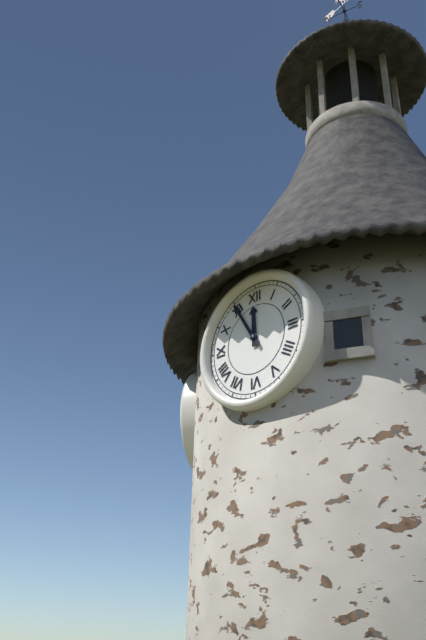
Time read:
h=11 m=55
